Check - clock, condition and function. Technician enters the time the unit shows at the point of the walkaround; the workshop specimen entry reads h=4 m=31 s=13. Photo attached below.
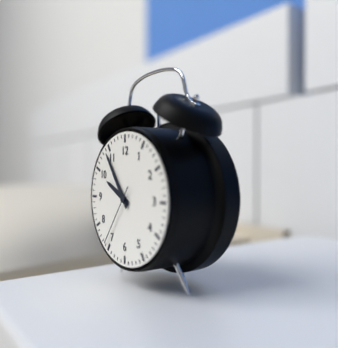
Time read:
h=9 m=54 s=36
